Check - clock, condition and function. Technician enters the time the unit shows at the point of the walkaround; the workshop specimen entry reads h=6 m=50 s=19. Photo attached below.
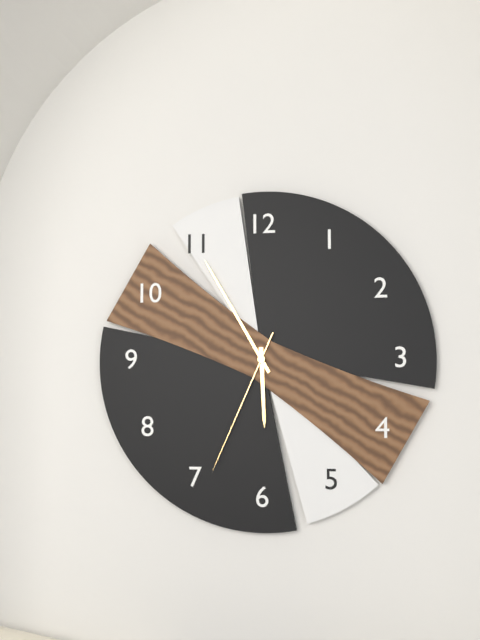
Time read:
h=5 m=55 s=34
